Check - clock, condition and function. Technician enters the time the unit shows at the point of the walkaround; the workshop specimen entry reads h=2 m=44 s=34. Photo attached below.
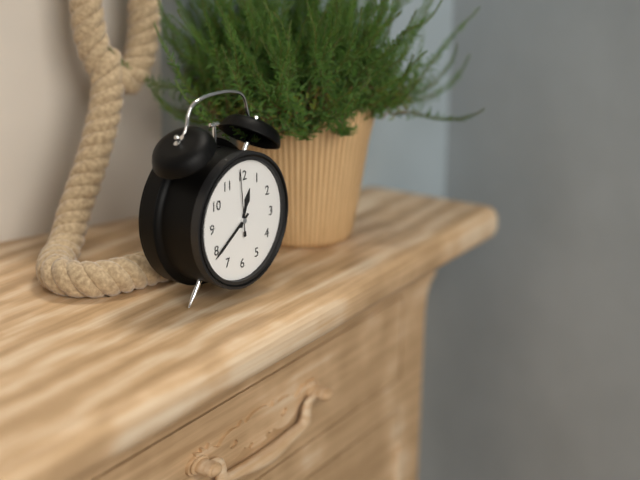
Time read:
h=12 m=39 s=59
